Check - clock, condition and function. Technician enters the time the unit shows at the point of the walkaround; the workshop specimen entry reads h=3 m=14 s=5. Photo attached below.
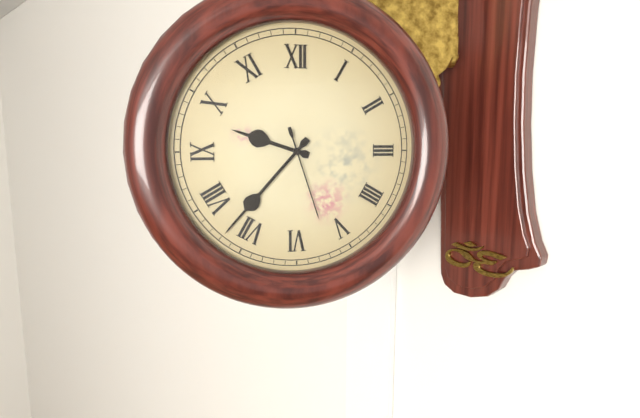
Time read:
h=9 m=37 s=27
